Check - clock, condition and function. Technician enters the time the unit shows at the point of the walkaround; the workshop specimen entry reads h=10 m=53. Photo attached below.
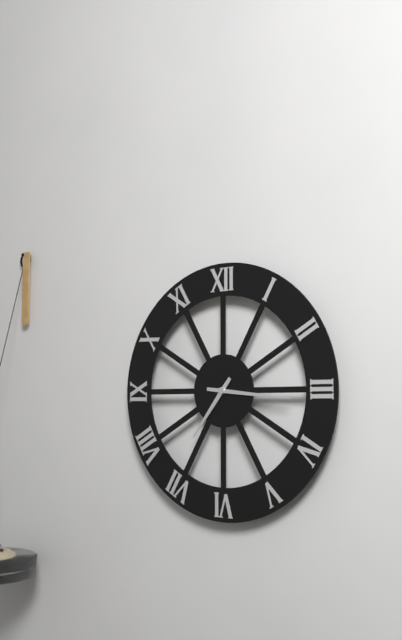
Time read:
h=7 m=16
